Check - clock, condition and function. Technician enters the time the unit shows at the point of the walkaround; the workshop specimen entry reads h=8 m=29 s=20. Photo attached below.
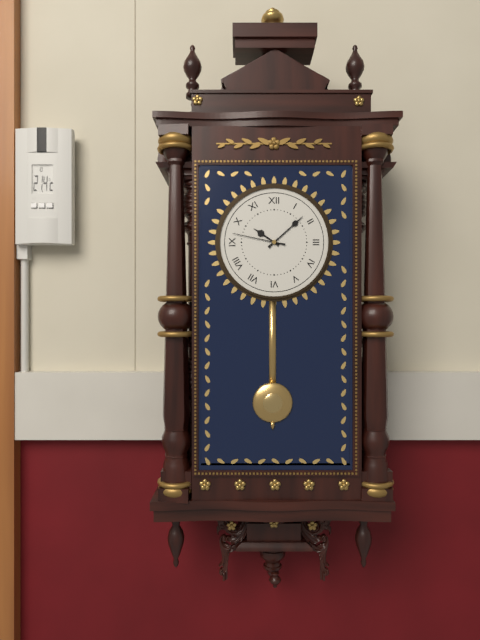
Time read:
h=10 m=8 s=47
